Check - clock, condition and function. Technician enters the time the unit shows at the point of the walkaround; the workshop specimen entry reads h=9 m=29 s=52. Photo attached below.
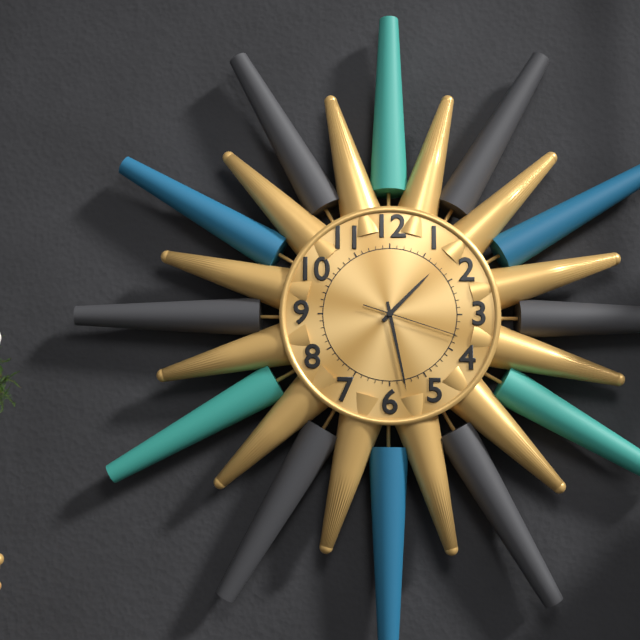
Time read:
h=1 m=28 s=18
